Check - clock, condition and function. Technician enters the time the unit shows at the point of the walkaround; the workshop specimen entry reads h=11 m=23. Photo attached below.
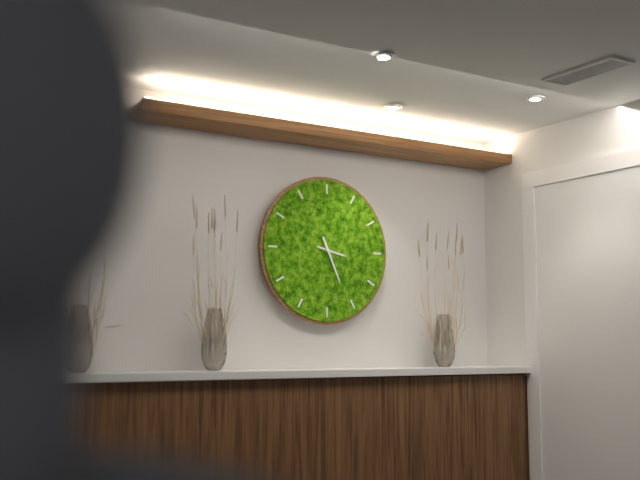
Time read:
h=3 m=26
